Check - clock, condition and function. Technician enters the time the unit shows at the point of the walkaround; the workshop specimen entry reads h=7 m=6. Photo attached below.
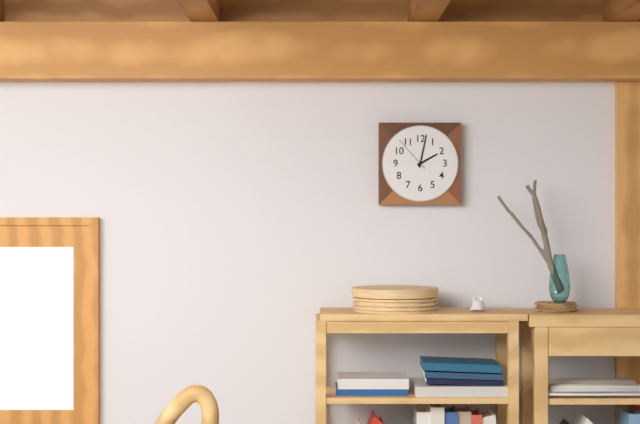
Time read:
h=2 m=2
